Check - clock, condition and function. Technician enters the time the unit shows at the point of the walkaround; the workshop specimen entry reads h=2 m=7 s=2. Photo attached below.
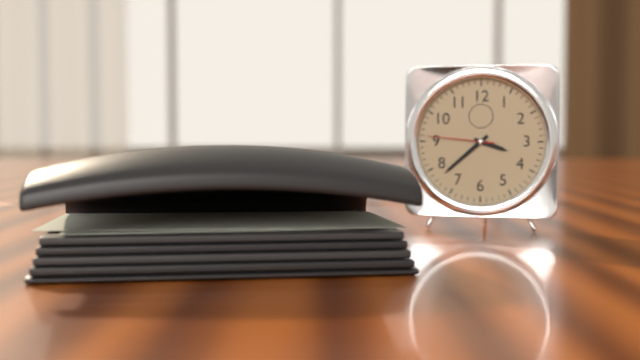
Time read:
h=3 m=38 s=46
